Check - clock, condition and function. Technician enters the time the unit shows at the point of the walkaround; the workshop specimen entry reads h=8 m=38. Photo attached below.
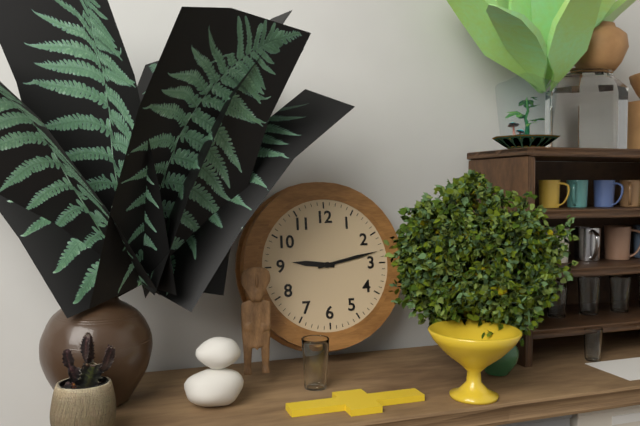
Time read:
h=9 m=13
